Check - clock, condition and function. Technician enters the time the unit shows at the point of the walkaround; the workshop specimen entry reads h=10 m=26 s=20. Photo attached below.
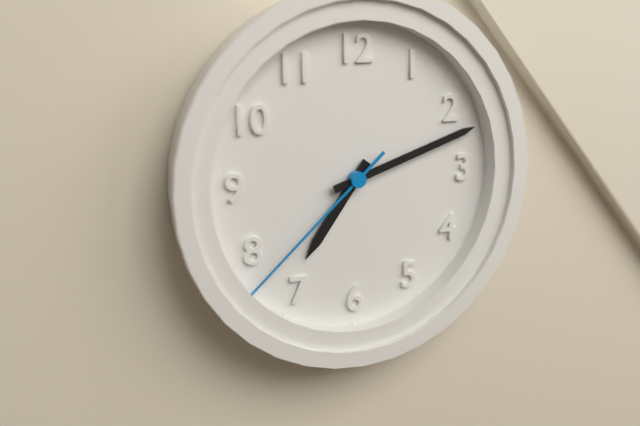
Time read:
h=7 m=12 s=38
